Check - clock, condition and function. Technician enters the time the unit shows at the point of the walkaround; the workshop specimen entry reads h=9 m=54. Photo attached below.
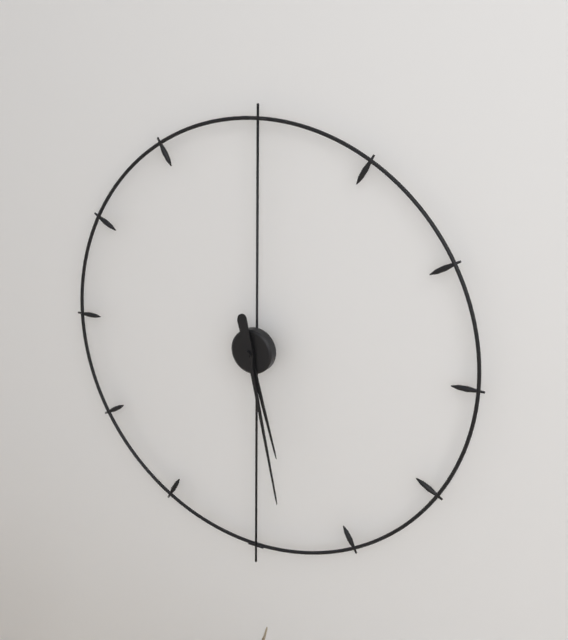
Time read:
h=5 m=28
